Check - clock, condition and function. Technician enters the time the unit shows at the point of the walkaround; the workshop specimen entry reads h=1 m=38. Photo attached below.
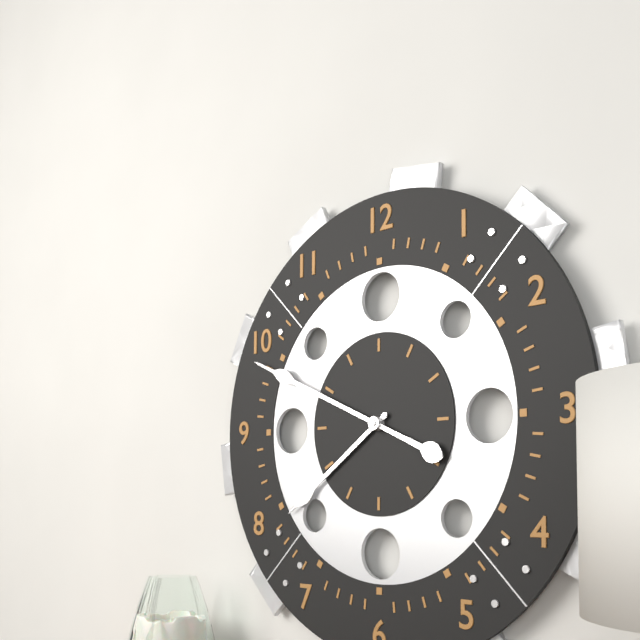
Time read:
h=7 m=49
